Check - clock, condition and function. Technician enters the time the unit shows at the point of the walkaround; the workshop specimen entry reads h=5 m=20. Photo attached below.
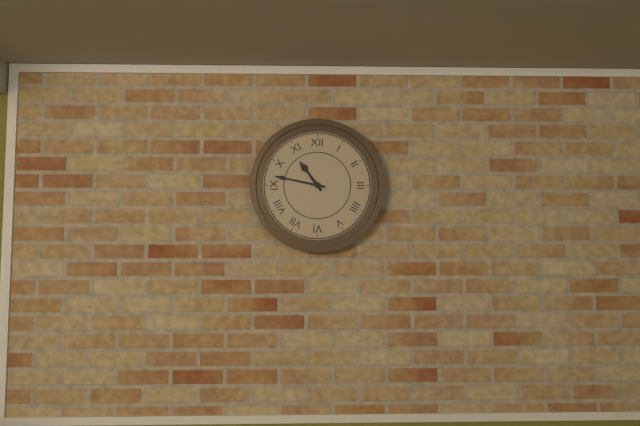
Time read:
h=10 m=47
